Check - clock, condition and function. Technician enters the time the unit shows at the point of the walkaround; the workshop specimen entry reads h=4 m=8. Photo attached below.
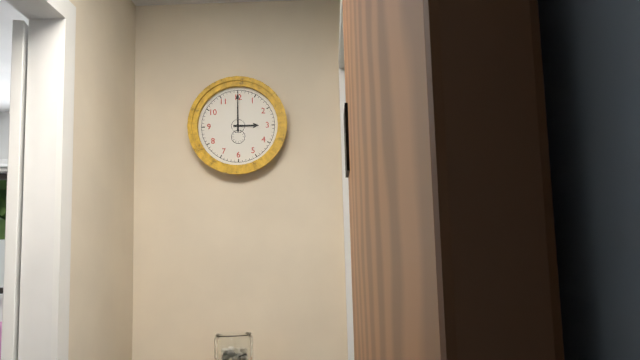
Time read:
h=3 m=0
